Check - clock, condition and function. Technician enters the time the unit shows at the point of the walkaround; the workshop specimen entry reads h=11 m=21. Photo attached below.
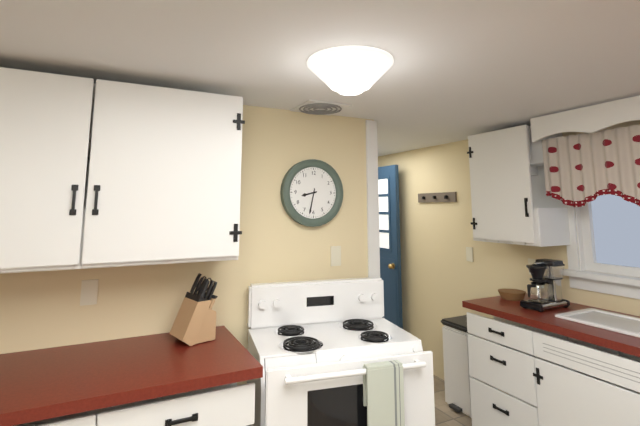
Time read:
h=8 m=32
